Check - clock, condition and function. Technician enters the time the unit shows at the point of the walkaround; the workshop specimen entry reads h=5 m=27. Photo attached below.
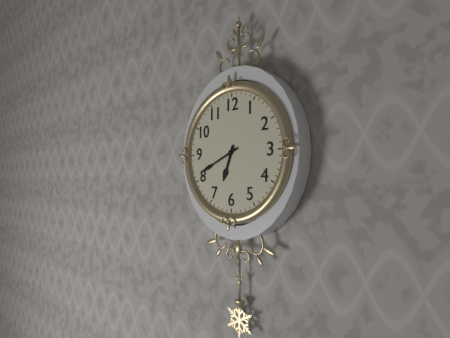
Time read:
h=6 m=41
